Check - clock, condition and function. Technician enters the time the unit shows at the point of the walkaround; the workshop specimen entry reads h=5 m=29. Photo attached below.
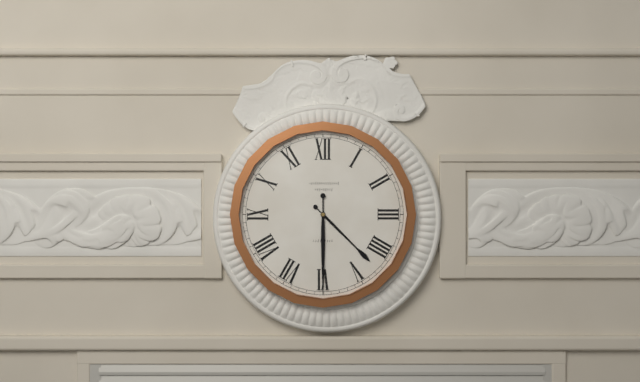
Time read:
h=4 m=30
